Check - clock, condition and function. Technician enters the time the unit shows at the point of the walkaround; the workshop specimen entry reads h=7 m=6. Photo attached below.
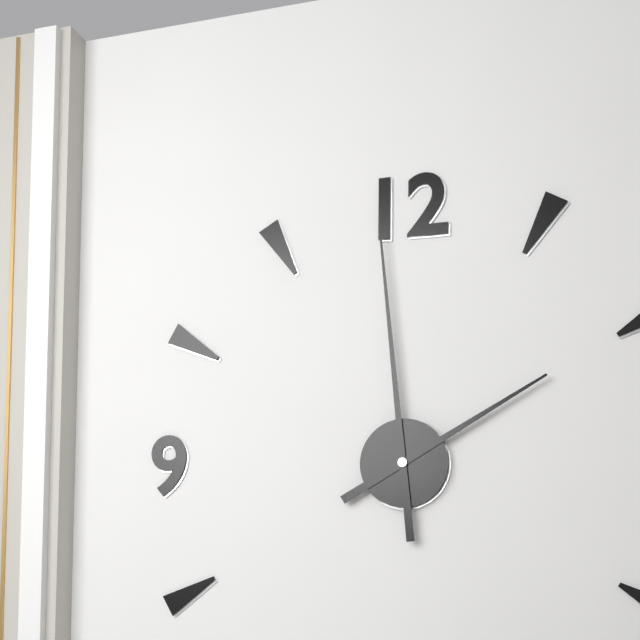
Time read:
h=1 m=59
